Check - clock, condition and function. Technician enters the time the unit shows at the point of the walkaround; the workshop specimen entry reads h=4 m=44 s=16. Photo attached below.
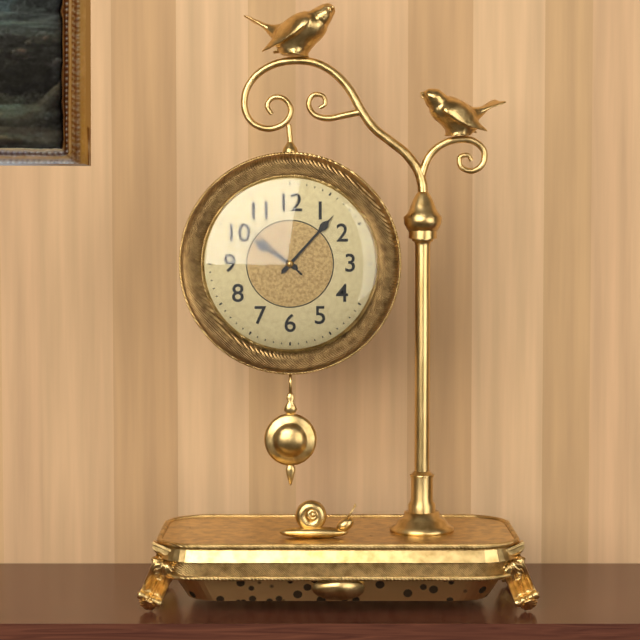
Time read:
h=10 m=7 s=52
